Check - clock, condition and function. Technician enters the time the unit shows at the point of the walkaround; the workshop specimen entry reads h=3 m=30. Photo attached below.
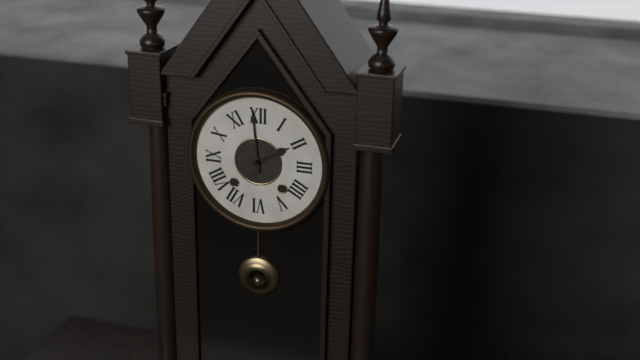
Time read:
h=1 m=59
